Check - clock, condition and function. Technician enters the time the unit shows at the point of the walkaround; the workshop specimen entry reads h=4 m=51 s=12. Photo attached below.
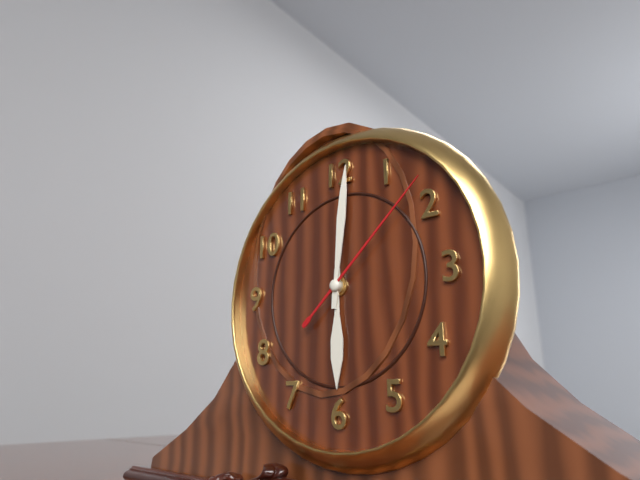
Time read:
h=6 m=1 s=8
